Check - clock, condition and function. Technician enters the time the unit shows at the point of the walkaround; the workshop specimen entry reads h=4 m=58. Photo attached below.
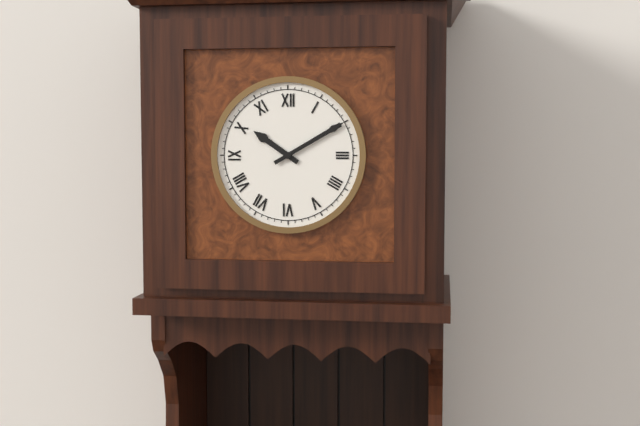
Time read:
h=10 m=10
